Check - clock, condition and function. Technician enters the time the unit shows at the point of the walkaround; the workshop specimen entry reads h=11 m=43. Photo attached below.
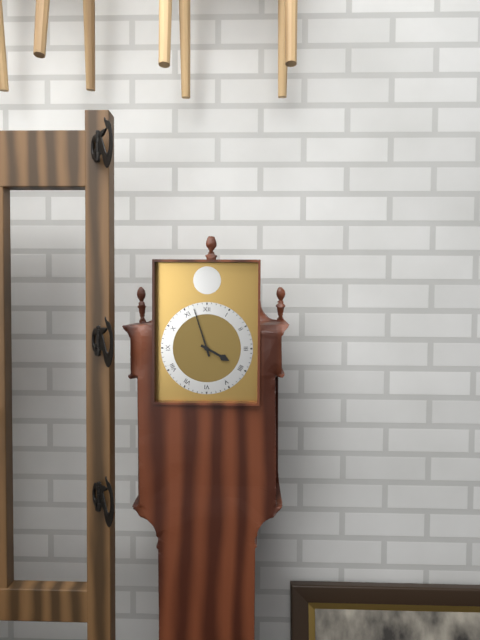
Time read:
h=3 m=57
